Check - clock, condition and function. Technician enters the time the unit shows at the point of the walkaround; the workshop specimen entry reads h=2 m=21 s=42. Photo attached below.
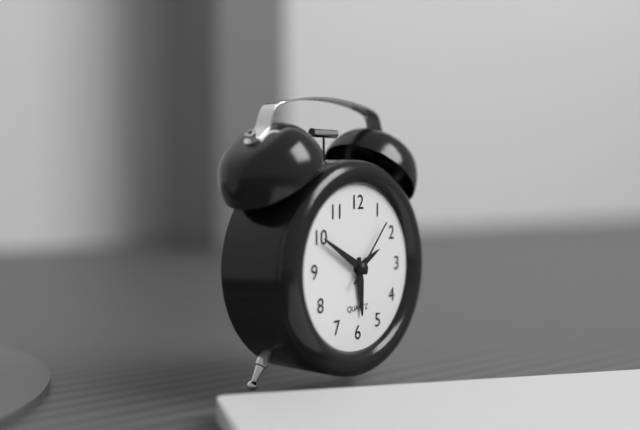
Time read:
h=5 m=50 s=7
